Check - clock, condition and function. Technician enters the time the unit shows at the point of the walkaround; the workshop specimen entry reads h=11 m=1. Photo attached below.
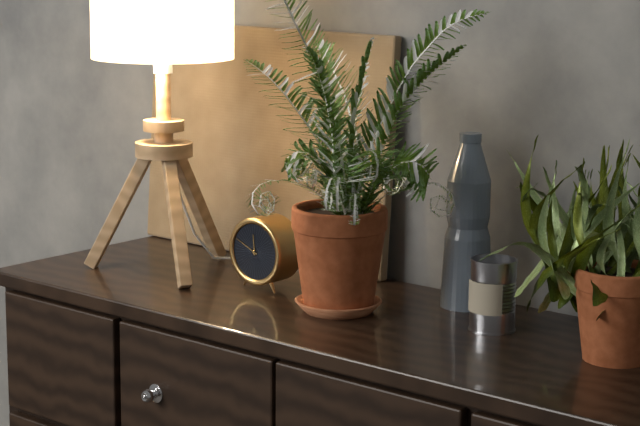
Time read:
h=11 m=49
